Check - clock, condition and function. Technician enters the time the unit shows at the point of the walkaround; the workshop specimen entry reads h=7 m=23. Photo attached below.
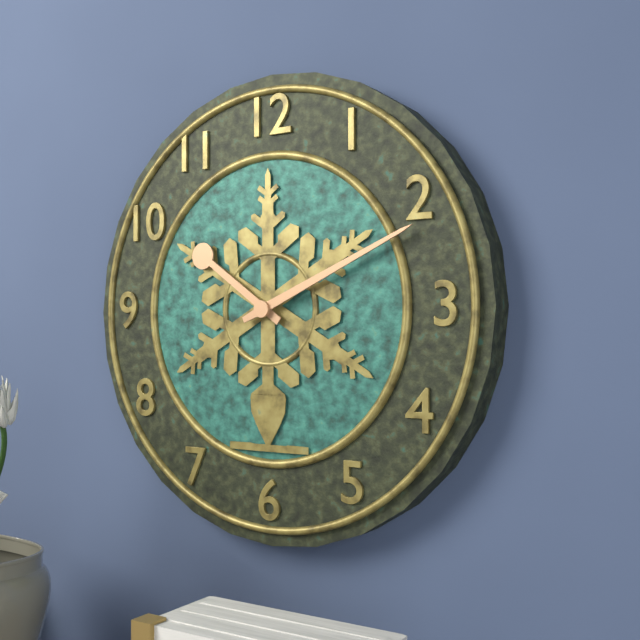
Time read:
h=10 m=11
